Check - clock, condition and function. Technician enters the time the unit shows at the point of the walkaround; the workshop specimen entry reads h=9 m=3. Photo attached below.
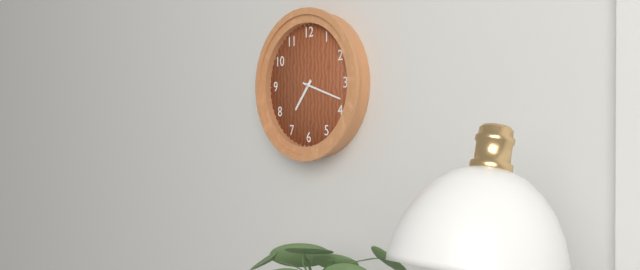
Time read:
h=7 m=18
